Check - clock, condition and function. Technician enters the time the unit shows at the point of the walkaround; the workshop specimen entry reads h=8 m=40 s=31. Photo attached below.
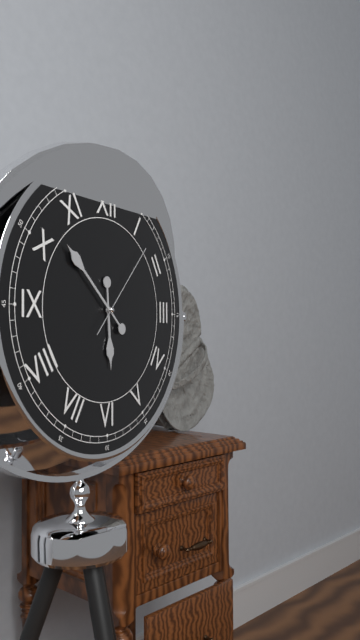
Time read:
h=5 m=52 s=7
